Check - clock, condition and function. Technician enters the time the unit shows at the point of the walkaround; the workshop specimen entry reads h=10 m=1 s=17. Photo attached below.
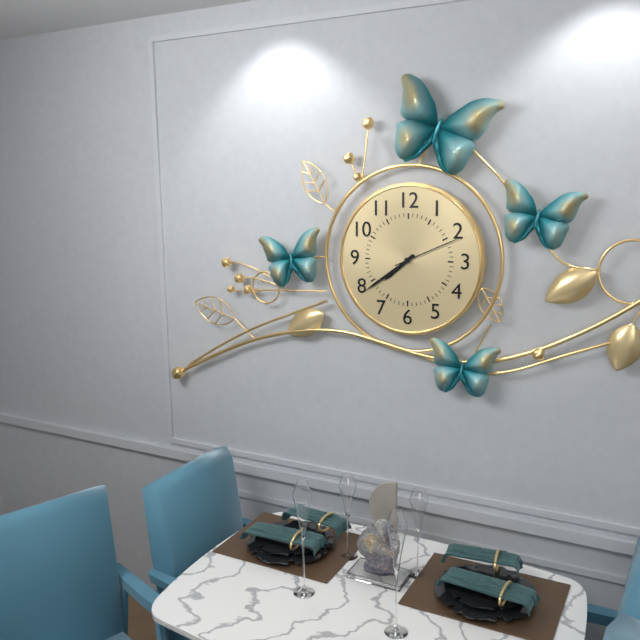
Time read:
h=7 m=39 s=11
